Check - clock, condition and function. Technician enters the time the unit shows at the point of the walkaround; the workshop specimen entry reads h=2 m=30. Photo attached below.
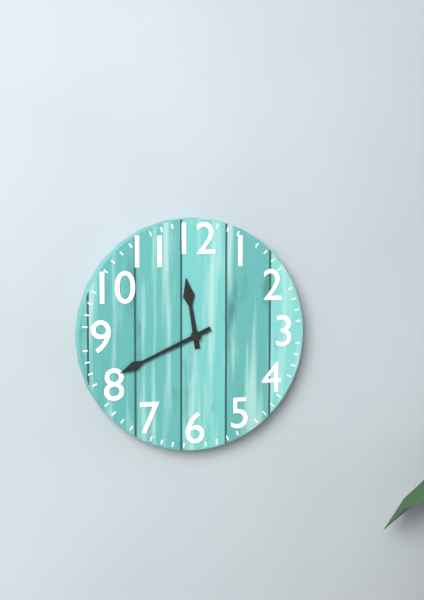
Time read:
h=11 m=41
